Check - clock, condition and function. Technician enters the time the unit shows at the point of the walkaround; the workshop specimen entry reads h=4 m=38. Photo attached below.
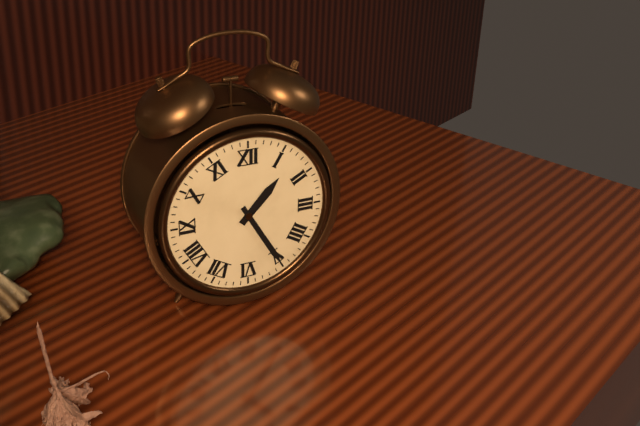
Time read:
h=1 m=25
